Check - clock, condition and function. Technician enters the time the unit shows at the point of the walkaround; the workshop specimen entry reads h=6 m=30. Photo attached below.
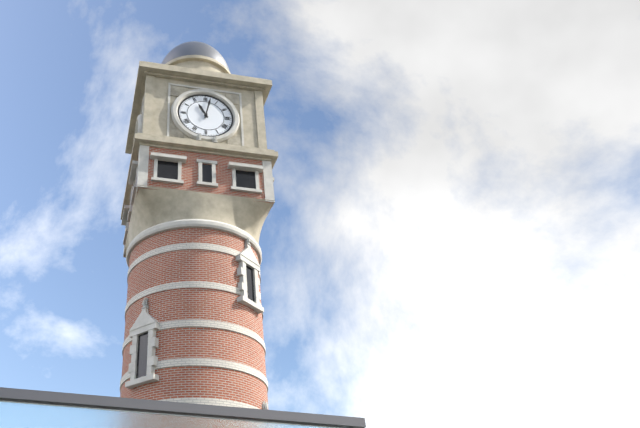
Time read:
h=11 m=2
